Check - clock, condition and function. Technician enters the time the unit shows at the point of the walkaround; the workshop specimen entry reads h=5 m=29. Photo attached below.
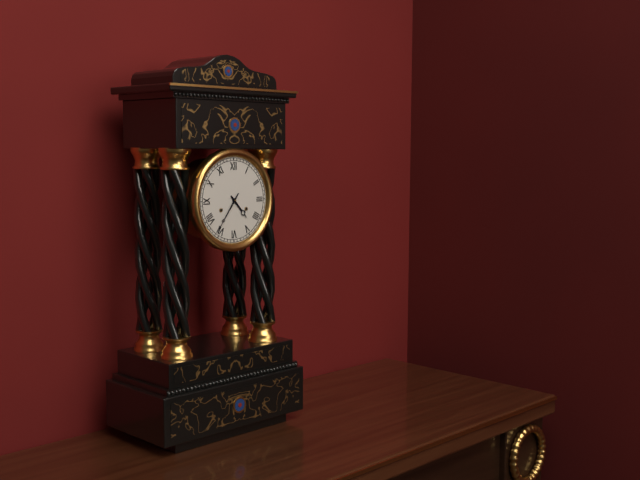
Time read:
h=4 m=36
